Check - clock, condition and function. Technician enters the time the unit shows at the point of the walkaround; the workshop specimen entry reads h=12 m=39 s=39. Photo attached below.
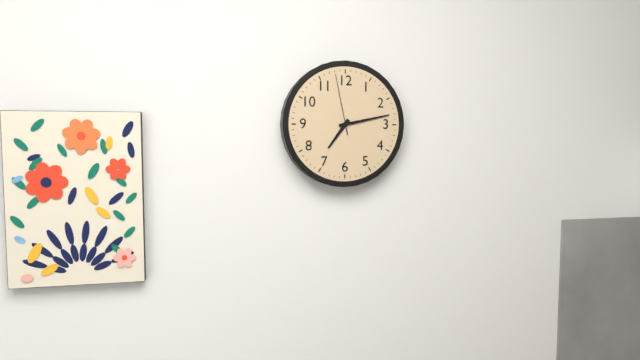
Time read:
h=7 m=13 s=58
